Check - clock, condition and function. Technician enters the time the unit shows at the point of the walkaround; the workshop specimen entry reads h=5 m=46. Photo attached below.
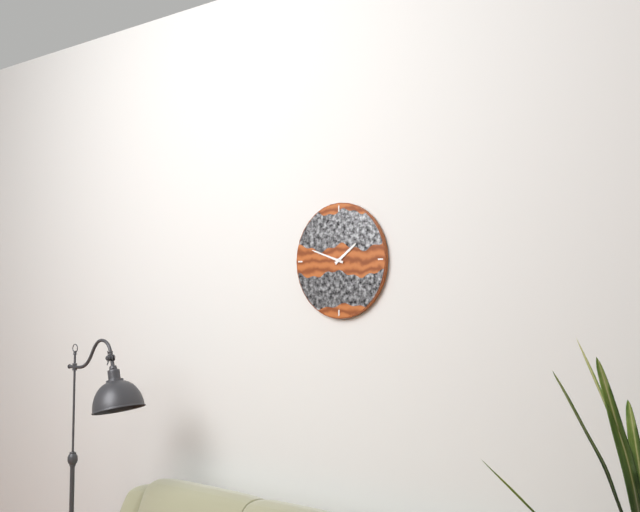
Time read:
h=1 m=48
